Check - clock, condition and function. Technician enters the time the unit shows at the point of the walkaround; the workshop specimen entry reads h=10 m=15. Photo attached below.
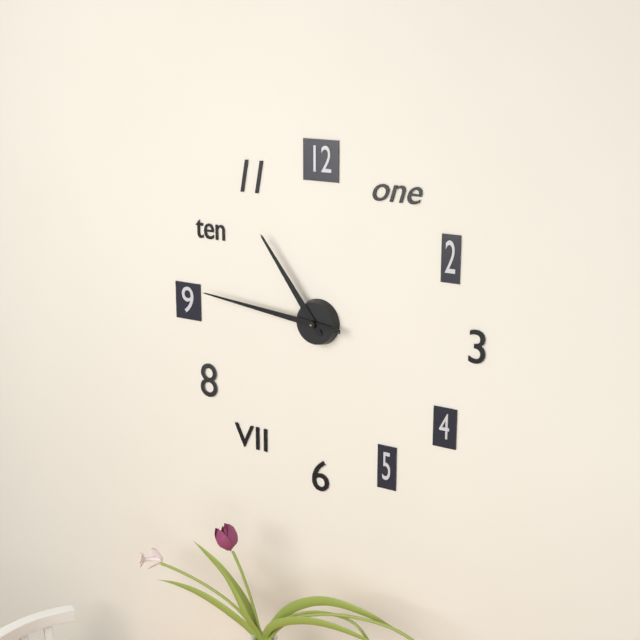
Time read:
h=10 m=46
